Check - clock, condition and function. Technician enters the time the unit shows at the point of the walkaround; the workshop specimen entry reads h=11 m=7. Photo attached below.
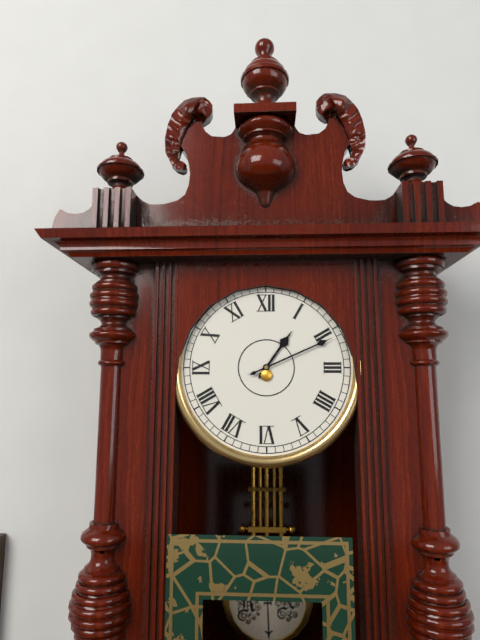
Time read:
h=1 m=11
